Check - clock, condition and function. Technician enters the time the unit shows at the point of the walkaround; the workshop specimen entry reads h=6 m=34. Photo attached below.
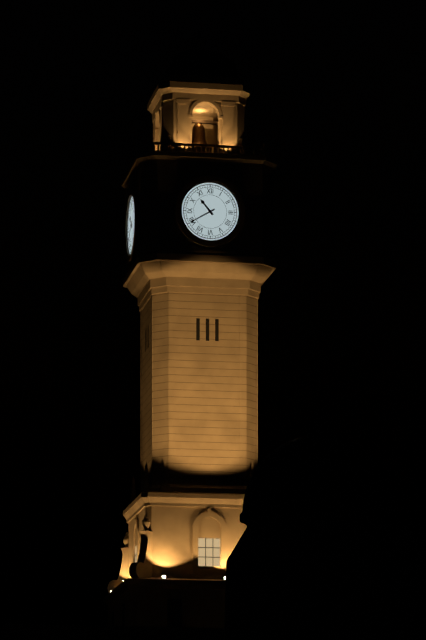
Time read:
h=10 m=40
